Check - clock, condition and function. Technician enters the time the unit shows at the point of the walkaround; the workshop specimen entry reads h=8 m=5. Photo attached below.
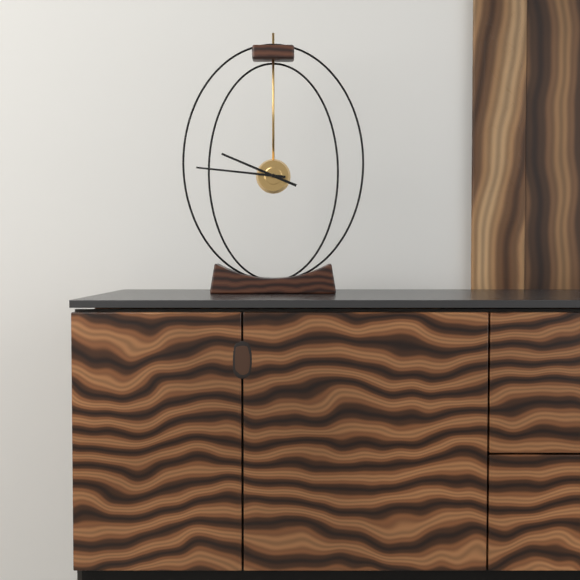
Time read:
h=9 m=46
